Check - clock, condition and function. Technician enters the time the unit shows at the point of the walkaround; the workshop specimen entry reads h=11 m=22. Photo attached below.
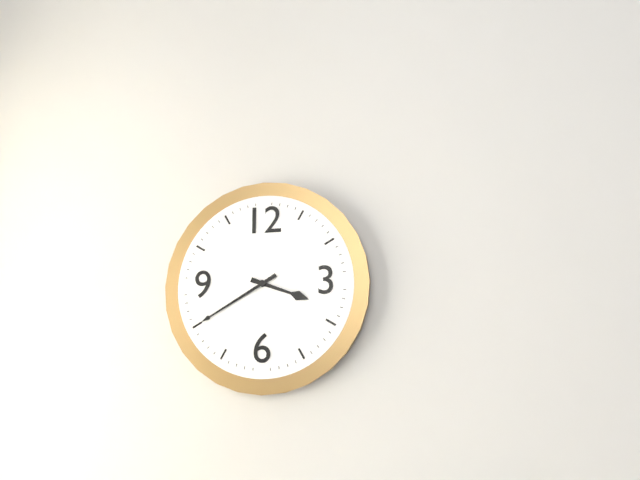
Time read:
h=3 m=40
